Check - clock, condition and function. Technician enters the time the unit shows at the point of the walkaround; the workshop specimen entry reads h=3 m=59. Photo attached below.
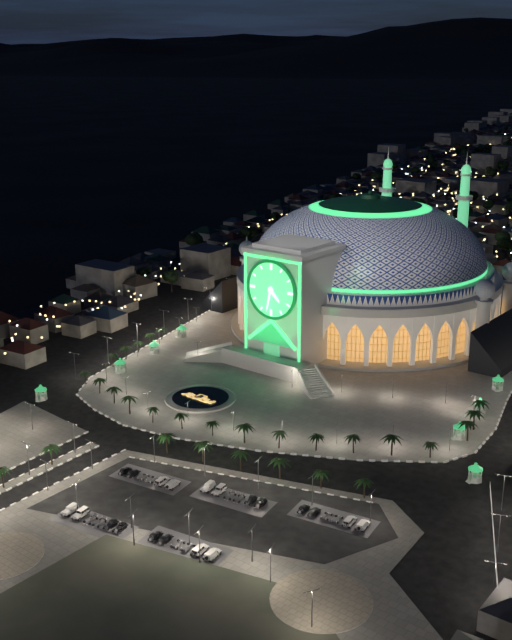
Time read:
h=4 m=32
